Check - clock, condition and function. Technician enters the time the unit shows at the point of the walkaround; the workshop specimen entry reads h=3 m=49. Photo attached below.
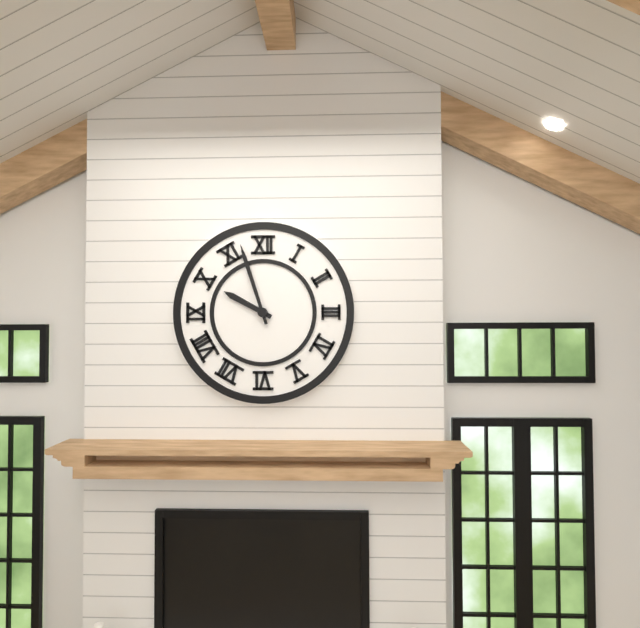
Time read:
h=9 m=57
